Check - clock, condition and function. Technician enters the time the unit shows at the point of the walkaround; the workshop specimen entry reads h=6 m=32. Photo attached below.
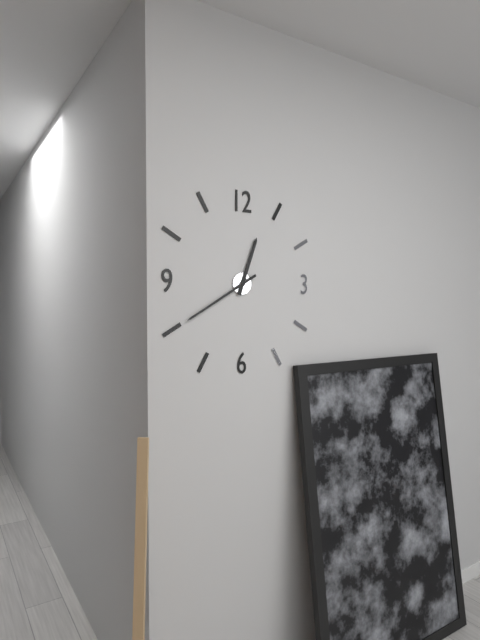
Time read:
h=12 m=40
